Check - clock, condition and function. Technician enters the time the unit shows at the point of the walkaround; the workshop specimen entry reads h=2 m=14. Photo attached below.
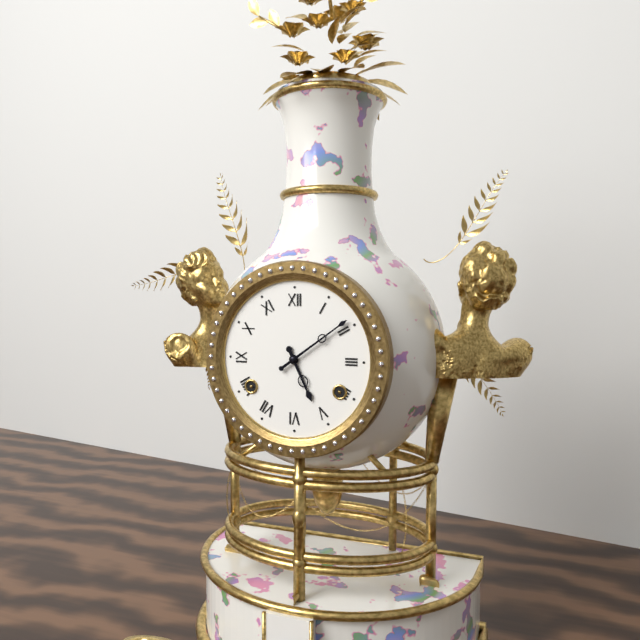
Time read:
h=5 m=9
